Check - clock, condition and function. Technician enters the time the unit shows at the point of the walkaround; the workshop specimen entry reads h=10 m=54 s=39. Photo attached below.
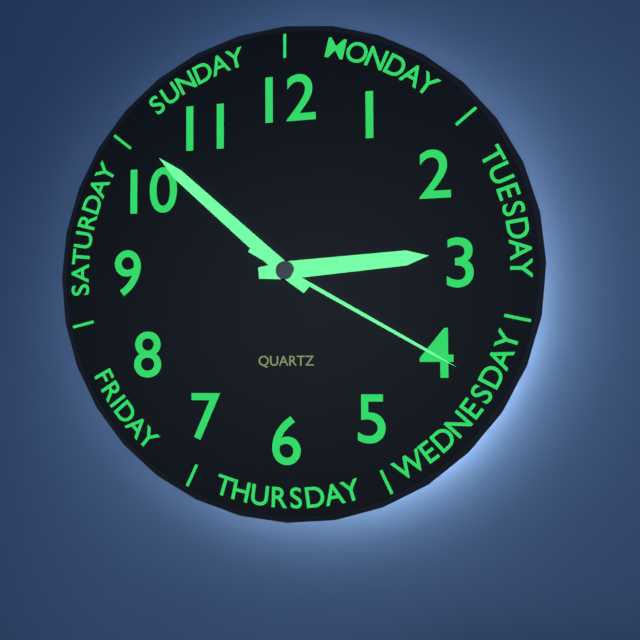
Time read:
h=2 m=52 s=20
